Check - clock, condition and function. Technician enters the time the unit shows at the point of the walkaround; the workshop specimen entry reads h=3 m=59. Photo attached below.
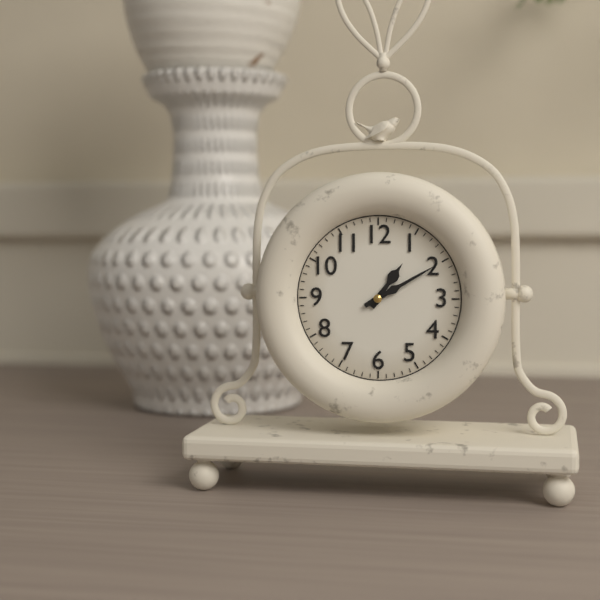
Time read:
h=1 m=10
